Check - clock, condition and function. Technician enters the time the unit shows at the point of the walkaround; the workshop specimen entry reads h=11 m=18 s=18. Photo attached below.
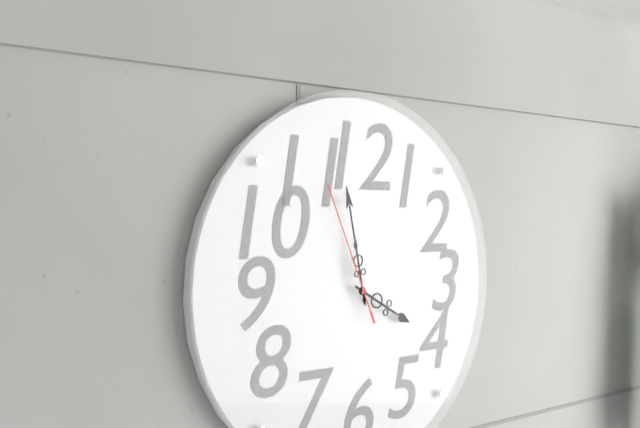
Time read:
h=3 m=58 s=56
